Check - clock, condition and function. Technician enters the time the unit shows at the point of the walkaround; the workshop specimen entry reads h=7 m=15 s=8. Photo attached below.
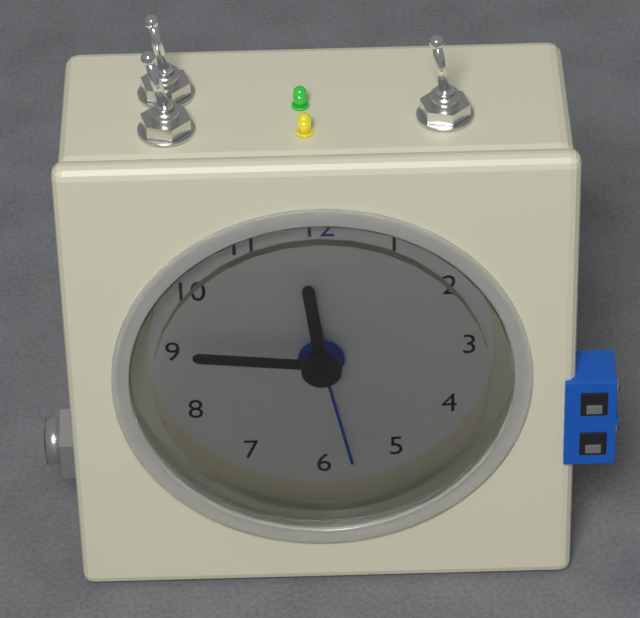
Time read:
h=11 m=46 s=28
